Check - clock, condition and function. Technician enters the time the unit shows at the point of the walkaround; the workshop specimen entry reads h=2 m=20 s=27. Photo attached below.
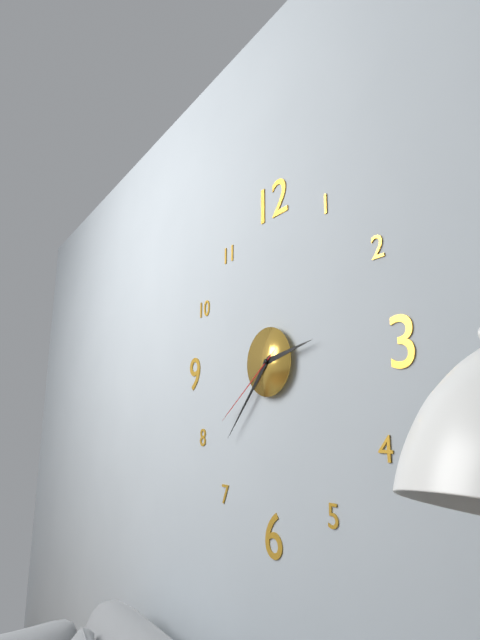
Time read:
h=2 m=37 s=39
